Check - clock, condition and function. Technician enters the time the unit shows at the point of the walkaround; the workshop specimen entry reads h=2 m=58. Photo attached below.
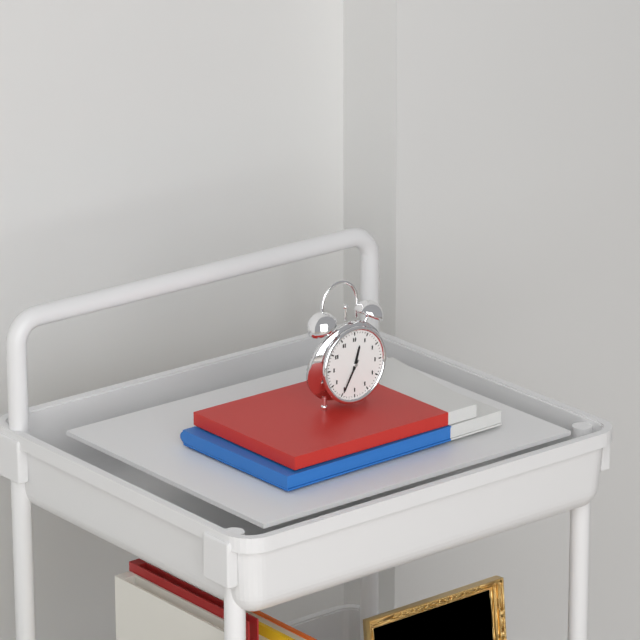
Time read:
h=12 m=35
